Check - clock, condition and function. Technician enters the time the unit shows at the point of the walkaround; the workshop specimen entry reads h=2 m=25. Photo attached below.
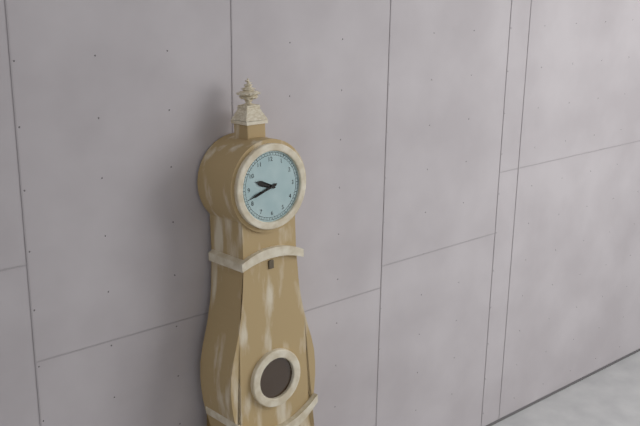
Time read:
h=9 m=42
